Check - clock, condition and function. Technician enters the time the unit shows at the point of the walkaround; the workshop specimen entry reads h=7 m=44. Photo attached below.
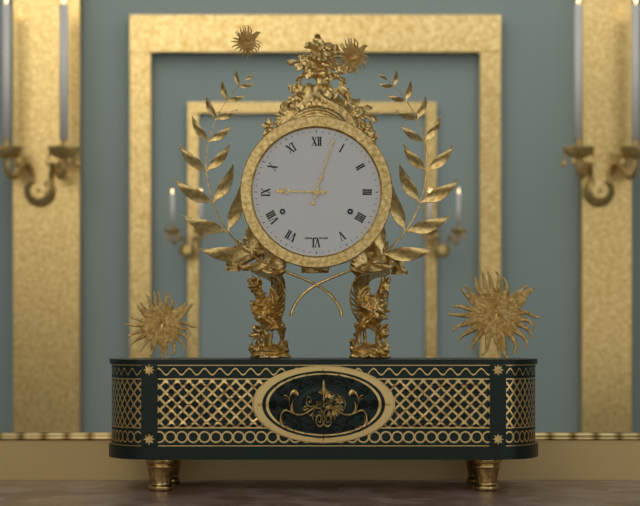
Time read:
h=9 m=3
